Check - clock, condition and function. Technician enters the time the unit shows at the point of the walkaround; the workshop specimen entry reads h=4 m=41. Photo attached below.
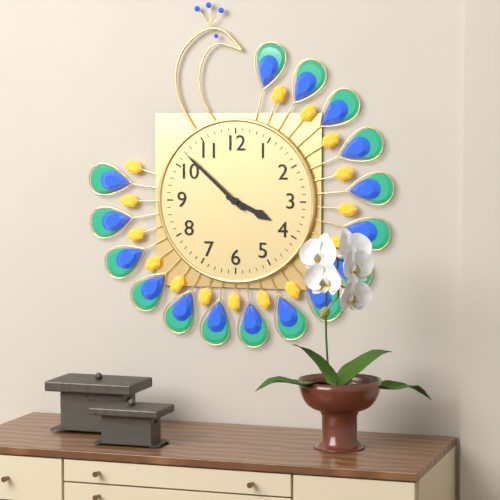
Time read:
h=3 m=52
